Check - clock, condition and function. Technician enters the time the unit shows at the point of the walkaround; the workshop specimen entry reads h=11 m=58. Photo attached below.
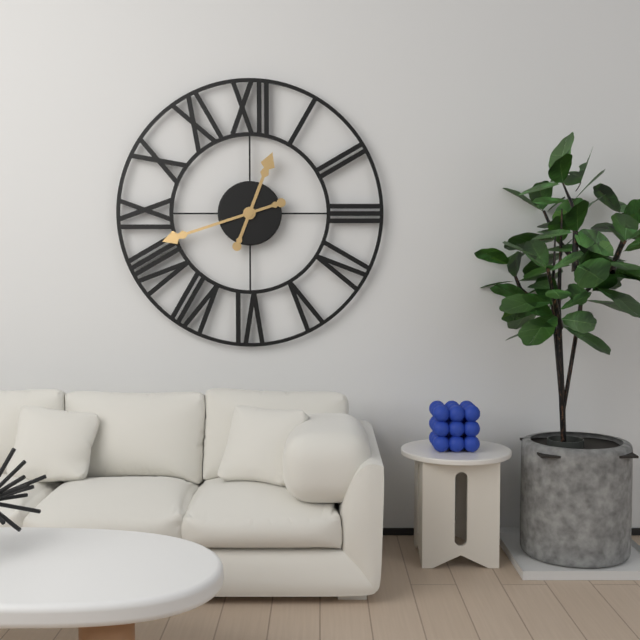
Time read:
h=12 m=42
